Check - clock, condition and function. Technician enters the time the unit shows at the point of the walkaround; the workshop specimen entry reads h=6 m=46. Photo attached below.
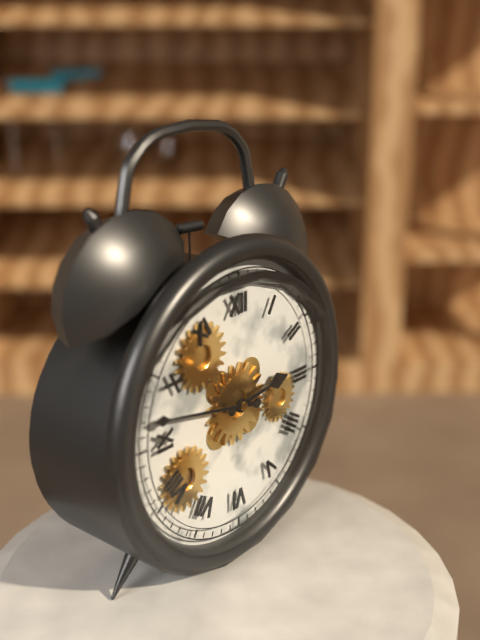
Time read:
h=2 m=47
